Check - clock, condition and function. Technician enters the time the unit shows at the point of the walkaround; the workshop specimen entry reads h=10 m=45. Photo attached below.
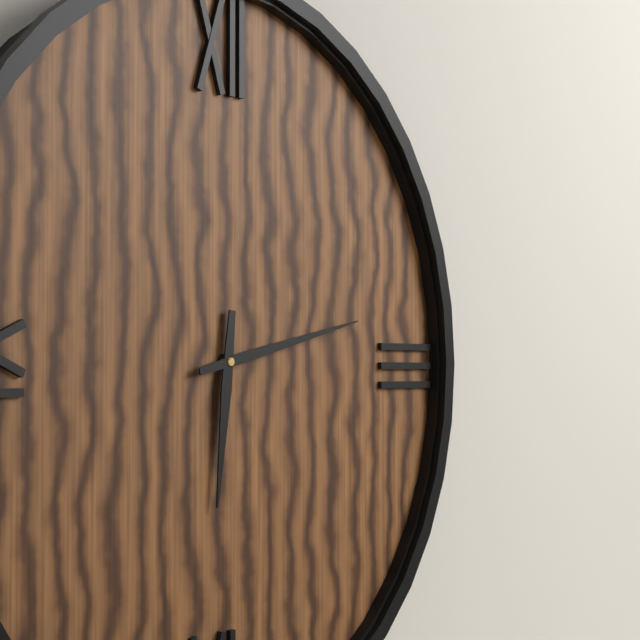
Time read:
h=6 m=13
